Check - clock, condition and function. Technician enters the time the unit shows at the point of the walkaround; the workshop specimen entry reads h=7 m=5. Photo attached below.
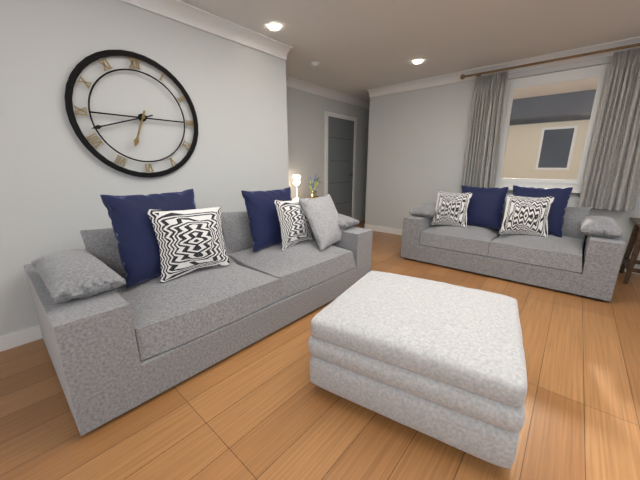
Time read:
h=6 m=42
